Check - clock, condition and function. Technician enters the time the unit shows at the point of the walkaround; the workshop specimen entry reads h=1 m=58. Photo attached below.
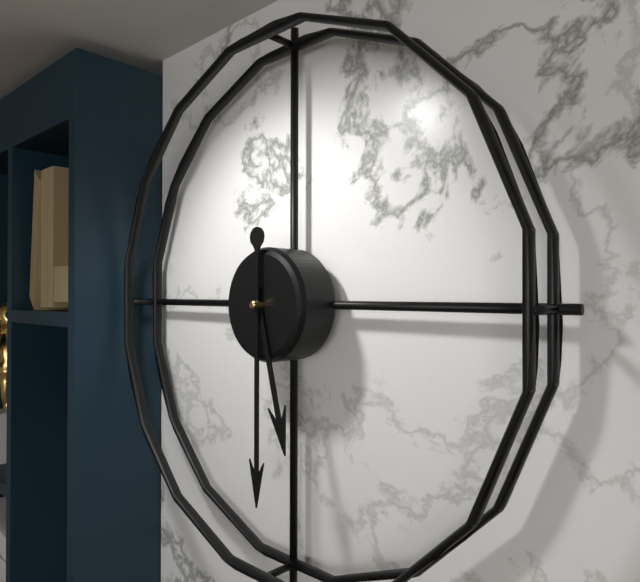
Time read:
h=5 m=30
